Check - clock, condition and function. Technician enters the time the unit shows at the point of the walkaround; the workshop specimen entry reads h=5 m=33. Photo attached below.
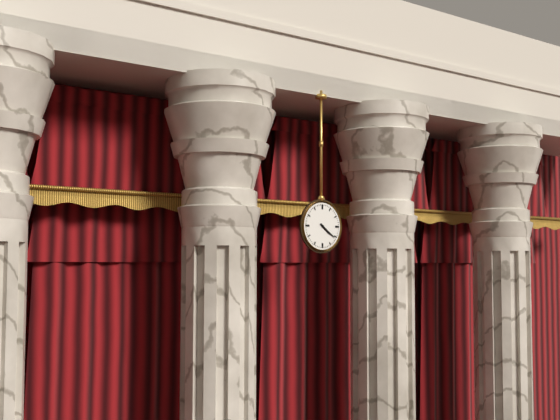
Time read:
h=4 m=21
